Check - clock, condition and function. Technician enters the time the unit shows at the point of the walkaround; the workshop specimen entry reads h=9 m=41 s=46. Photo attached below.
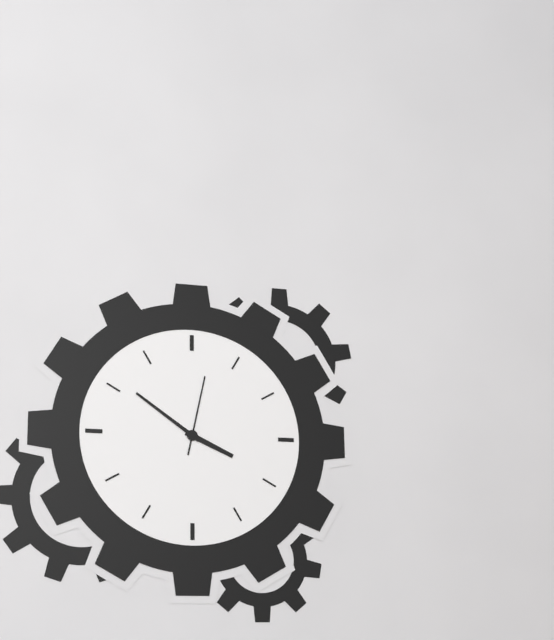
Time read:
h=3 m=51 s=2
